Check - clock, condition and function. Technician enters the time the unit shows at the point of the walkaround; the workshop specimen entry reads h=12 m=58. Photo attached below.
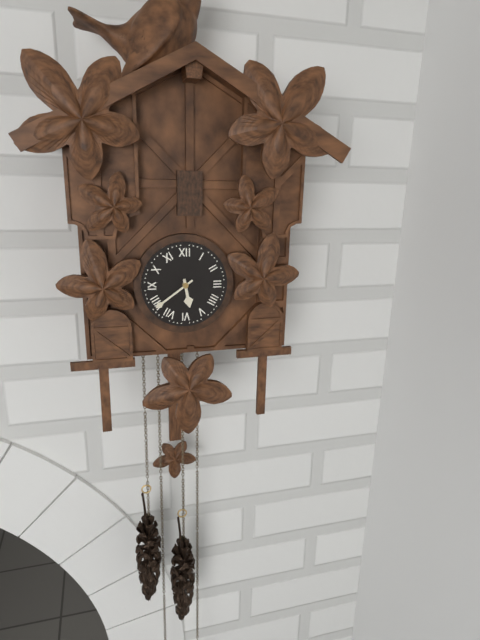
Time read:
h=5 m=39
